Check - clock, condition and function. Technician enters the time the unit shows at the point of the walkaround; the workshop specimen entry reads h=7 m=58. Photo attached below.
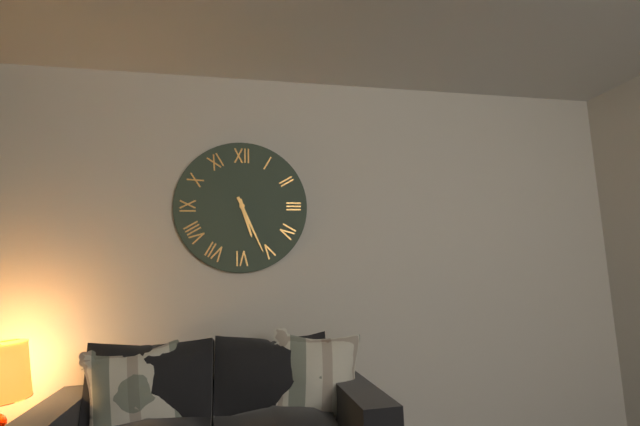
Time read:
h=5 m=26
